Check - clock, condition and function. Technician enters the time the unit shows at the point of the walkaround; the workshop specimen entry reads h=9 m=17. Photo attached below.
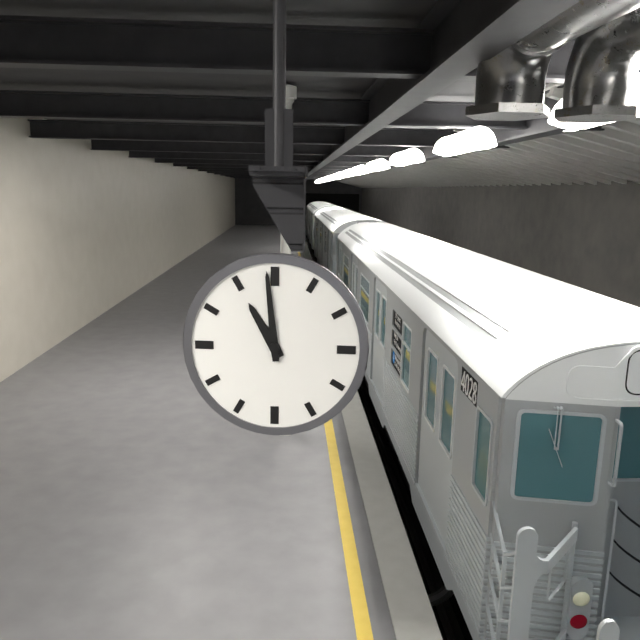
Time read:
h=10 m=59
